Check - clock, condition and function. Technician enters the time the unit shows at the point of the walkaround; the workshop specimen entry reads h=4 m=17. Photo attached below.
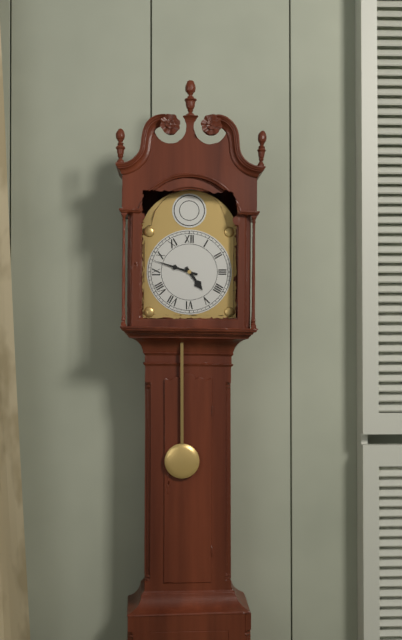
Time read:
h=4 m=48
